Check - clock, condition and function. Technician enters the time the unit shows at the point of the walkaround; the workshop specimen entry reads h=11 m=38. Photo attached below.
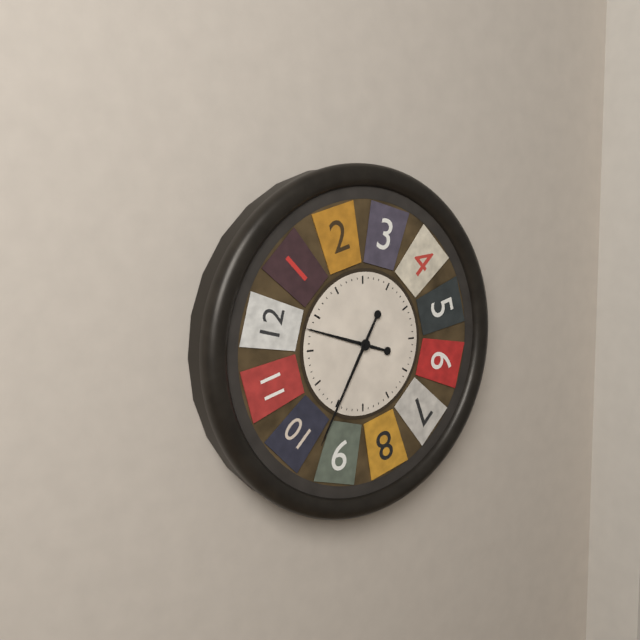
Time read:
h=9 m=35
